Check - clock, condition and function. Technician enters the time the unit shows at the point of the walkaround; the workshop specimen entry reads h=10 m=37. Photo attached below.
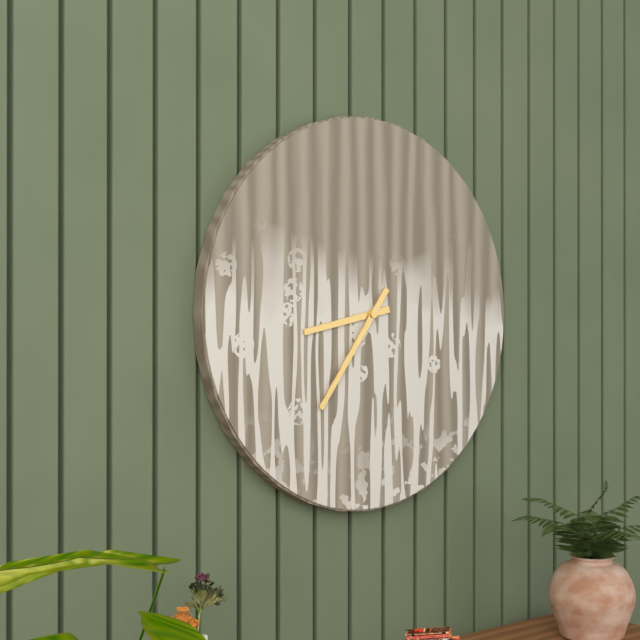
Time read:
h=8 m=36
